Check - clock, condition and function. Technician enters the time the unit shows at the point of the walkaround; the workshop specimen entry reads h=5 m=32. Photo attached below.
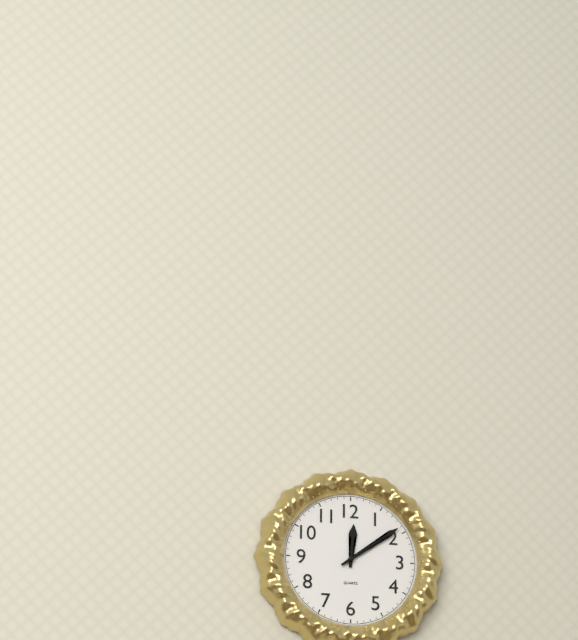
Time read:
h=12 m=9
